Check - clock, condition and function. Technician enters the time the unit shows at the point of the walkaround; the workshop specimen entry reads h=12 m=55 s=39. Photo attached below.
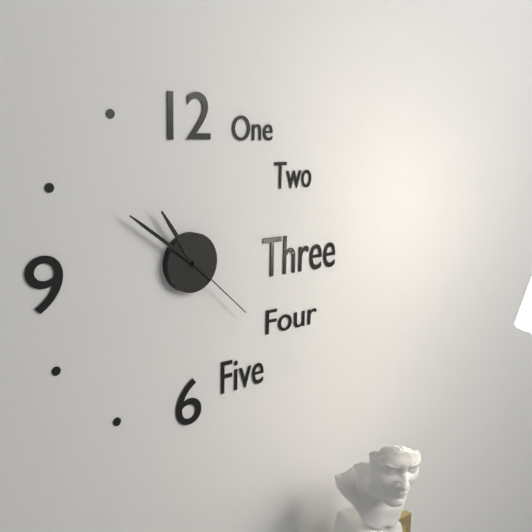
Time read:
h=10 m=51 s=22
